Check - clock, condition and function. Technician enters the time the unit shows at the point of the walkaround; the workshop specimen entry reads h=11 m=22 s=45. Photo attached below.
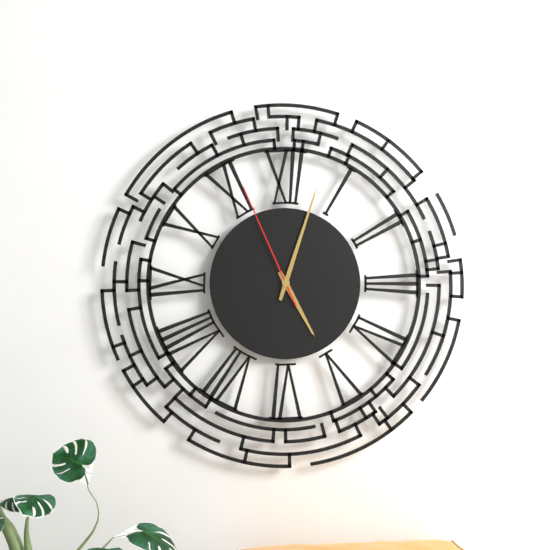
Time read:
h=5 m=3 s=56
